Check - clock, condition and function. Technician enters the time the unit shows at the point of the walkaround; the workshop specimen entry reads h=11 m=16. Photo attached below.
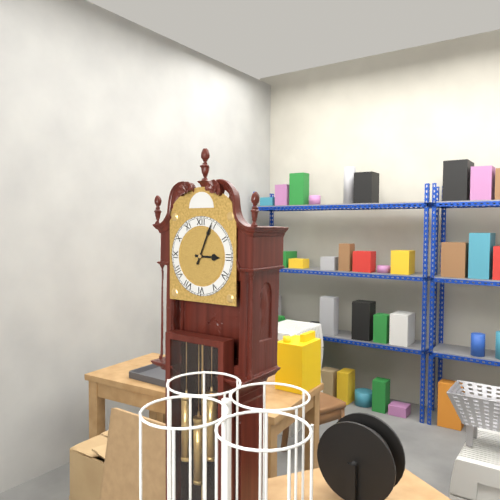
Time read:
h=3 m=4
